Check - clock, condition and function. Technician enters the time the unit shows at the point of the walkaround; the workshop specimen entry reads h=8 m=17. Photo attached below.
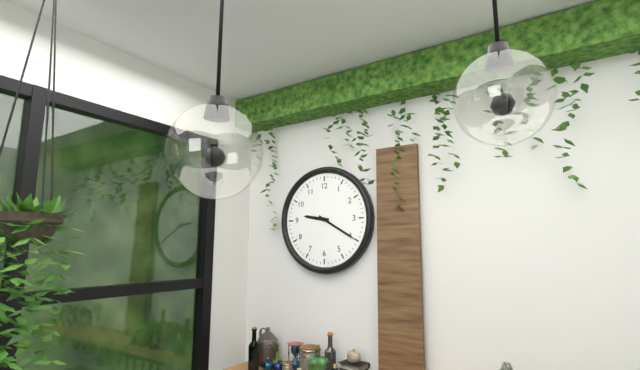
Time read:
h=9 m=20
